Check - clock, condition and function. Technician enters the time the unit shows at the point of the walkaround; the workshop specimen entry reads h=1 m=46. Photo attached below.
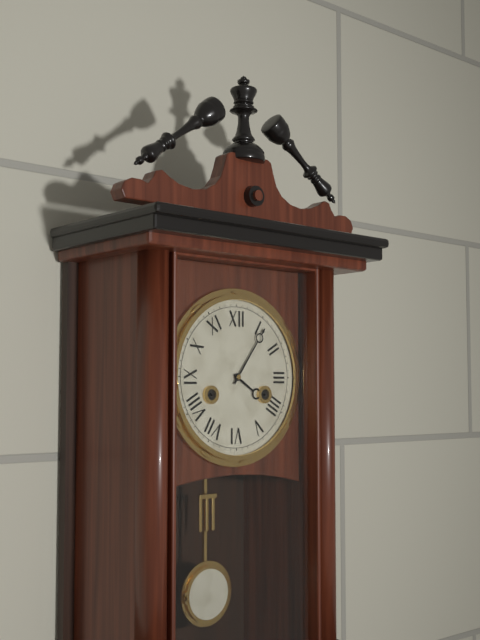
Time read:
h=4 m=6
